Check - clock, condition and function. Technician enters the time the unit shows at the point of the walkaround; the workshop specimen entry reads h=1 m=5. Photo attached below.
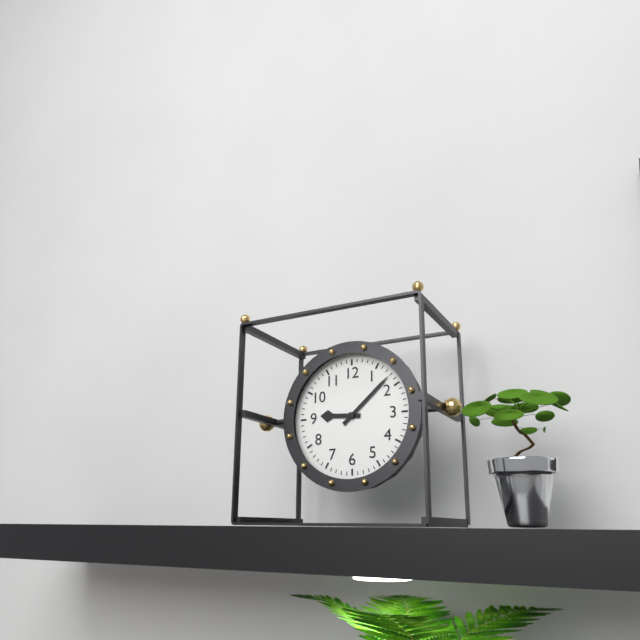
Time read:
h=9 m=8
